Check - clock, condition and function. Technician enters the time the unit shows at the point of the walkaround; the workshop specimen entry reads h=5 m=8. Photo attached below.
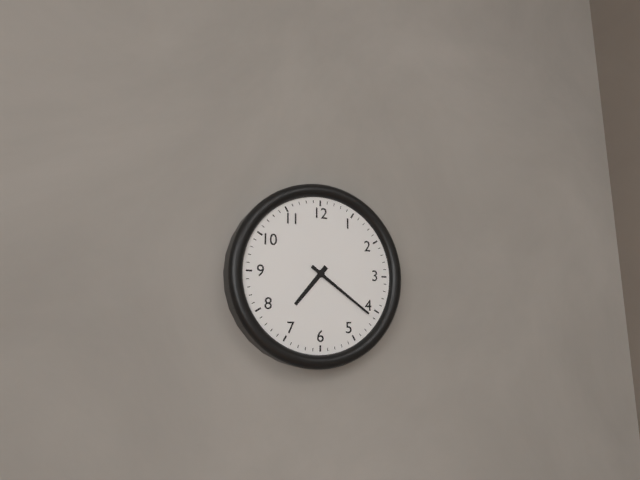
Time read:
h=7 m=21
